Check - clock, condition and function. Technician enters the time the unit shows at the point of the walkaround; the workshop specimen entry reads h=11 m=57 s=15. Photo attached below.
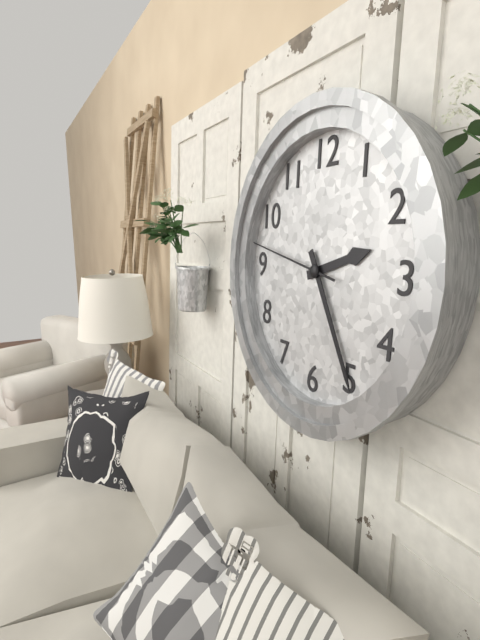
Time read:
h=2 m=25 s=47
